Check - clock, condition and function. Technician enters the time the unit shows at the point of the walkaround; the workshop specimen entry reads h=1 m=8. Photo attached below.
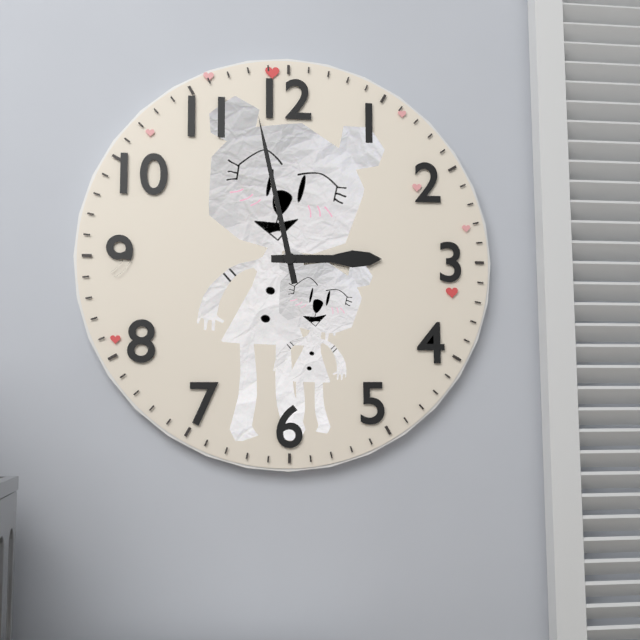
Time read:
h=2 m=58
